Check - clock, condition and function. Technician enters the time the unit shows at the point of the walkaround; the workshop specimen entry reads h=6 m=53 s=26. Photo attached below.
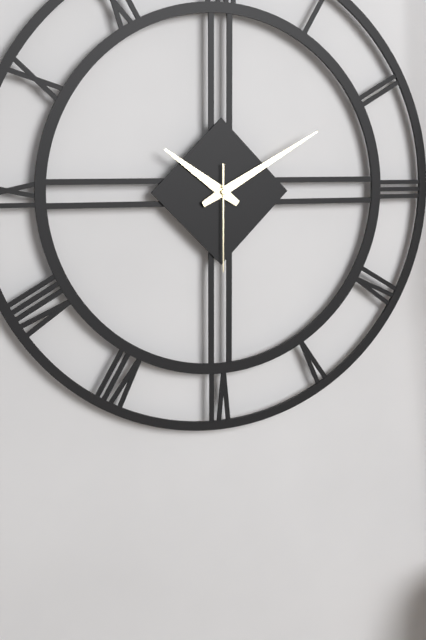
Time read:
h=10 m=10 s=30
